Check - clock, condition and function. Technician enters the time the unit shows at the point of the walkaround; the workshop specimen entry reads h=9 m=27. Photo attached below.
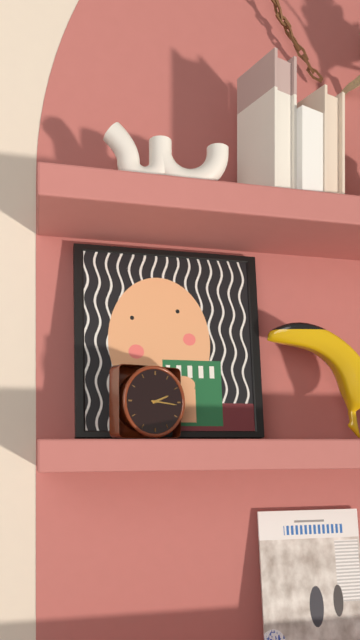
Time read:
h=2 m=16
